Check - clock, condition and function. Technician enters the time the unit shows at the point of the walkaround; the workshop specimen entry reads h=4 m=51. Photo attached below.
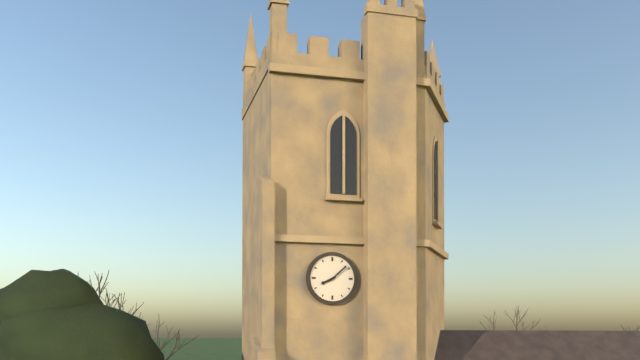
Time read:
h=8 m=8
